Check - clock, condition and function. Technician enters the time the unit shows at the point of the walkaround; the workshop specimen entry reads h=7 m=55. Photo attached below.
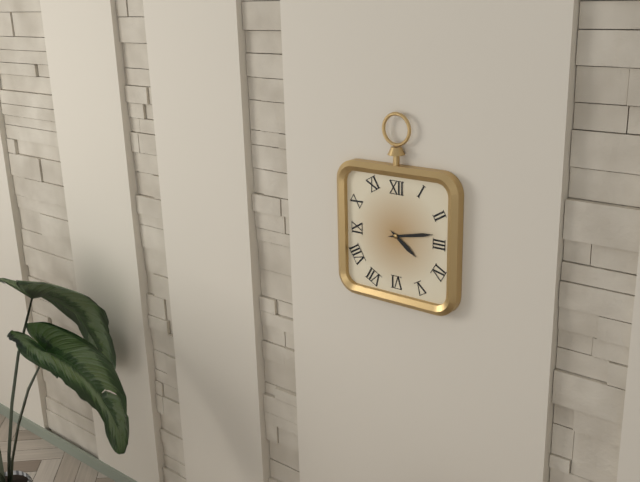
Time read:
h=4 m=13
